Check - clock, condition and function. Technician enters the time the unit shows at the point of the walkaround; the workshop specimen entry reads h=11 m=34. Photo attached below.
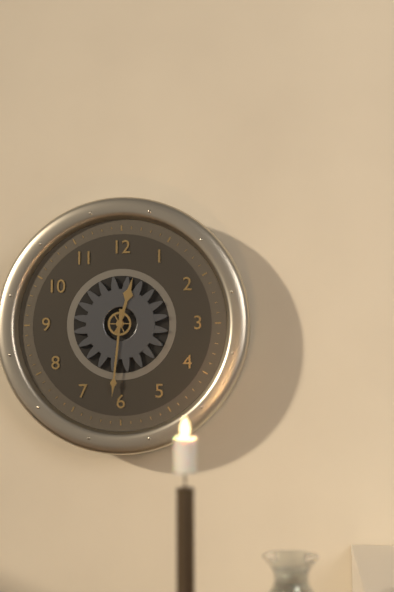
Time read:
h=12 m=31
